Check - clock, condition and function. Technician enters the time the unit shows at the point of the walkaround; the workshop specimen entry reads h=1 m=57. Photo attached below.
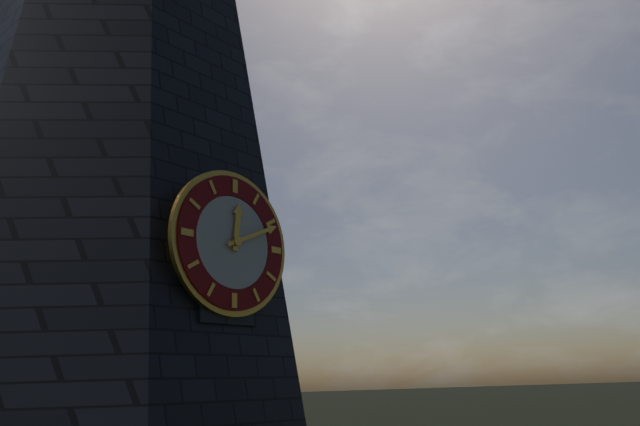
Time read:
h=12 m=11
